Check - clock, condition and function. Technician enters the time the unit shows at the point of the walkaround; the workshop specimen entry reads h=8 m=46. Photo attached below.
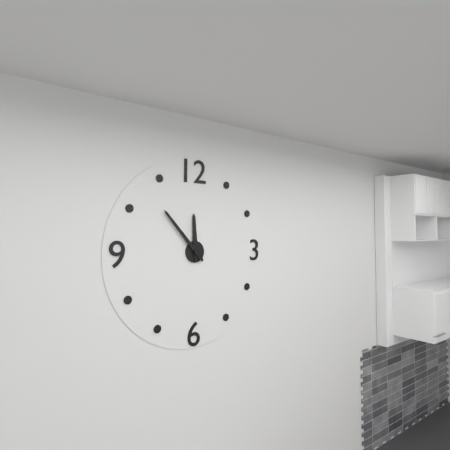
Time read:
h=11 m=53
